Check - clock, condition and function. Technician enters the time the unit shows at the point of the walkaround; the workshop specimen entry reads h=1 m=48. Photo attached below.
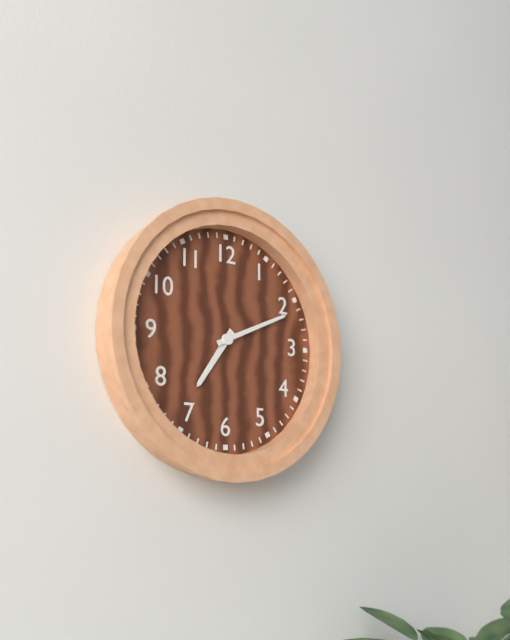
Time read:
h=7 m=11
